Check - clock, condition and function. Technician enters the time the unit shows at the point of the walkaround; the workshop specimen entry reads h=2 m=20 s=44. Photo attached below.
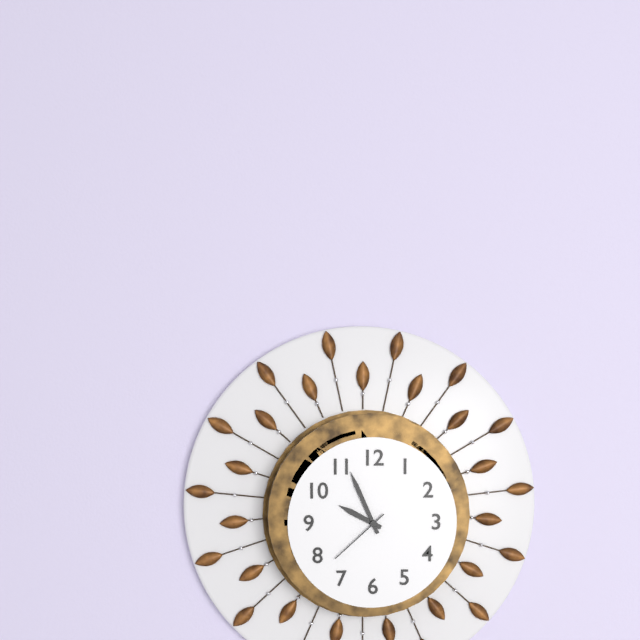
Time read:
h=9 m=56 s=38
